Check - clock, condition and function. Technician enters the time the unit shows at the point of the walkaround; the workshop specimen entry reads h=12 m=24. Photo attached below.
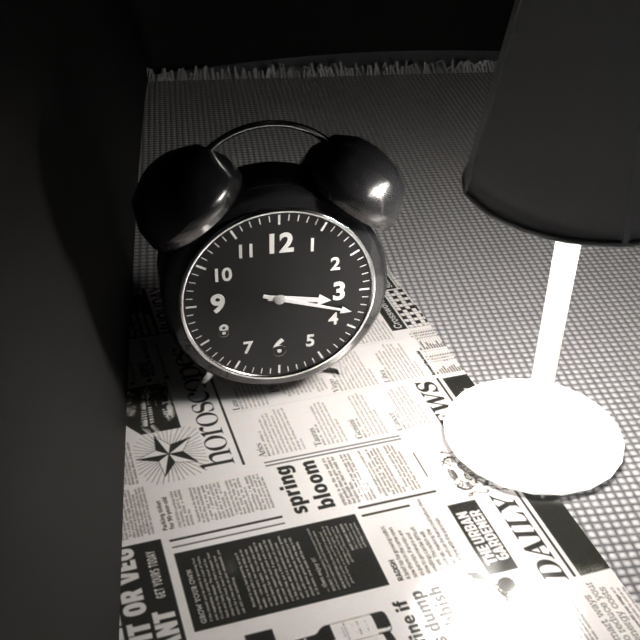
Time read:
h=3 m=18
